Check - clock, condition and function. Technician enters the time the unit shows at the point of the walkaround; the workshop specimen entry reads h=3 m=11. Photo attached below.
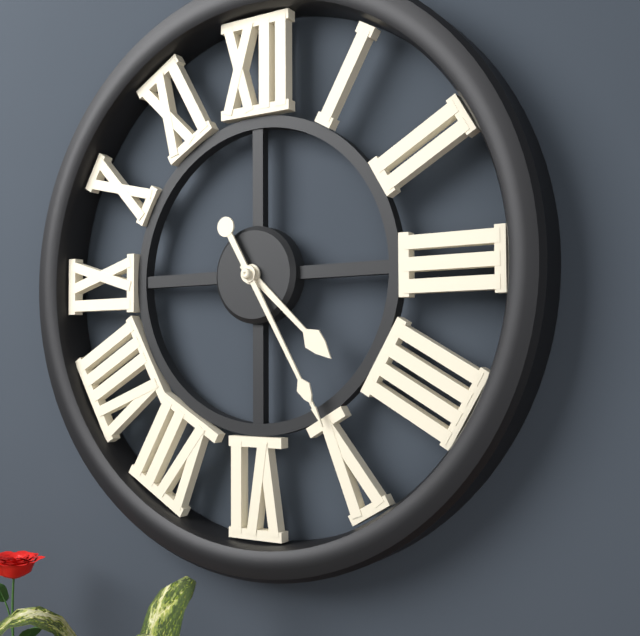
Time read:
h=4 m=25
